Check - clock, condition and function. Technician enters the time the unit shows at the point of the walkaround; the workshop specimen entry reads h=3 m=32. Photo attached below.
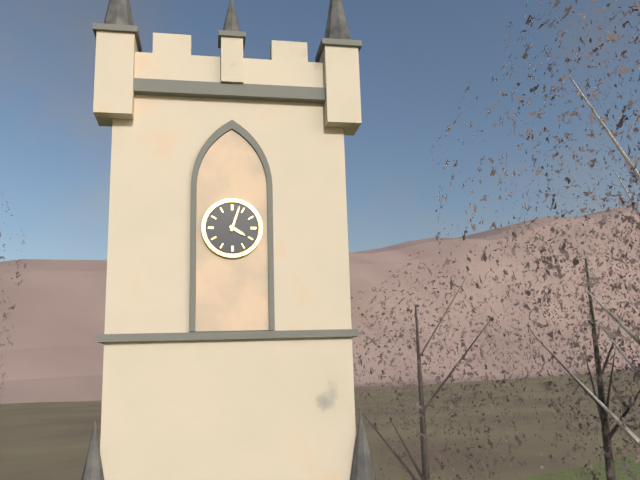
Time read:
h=4 m=3
